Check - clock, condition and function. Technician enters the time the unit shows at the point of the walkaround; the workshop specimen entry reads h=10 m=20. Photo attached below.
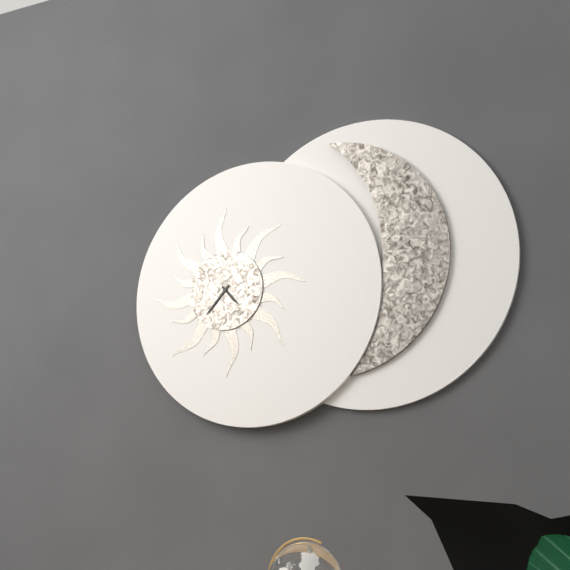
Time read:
h=4 m=37
